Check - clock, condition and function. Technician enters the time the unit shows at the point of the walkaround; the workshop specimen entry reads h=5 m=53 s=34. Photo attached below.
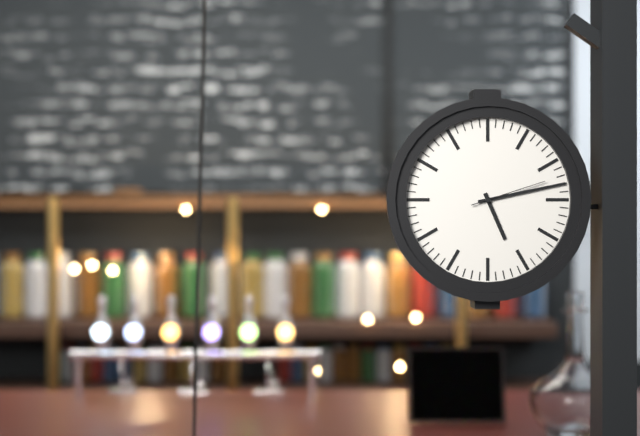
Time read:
h=5 m=13 s=12
